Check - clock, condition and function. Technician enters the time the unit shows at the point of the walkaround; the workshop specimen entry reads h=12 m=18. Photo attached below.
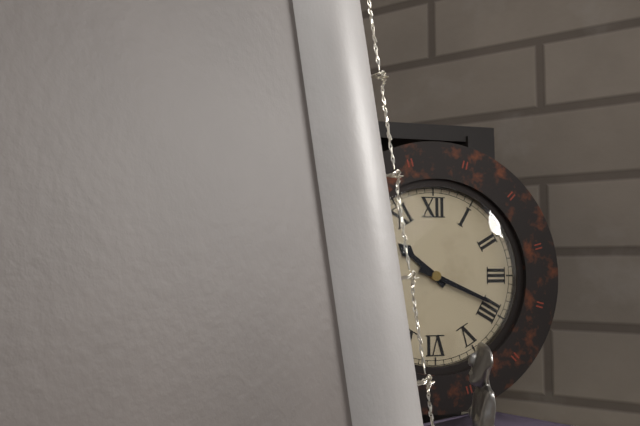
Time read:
h=10 m=19
